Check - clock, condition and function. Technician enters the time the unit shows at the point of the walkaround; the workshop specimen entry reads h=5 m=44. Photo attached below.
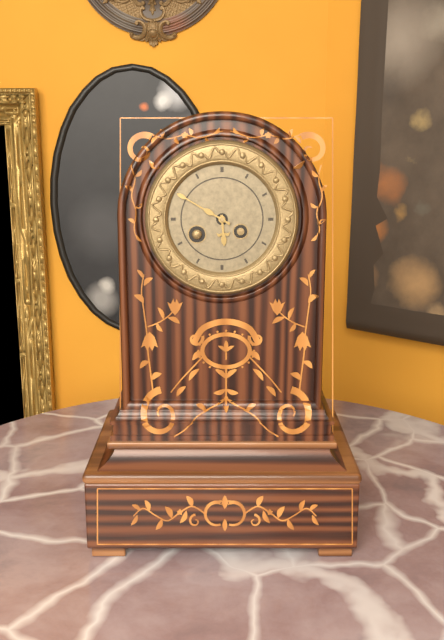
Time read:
h=5 m=50
